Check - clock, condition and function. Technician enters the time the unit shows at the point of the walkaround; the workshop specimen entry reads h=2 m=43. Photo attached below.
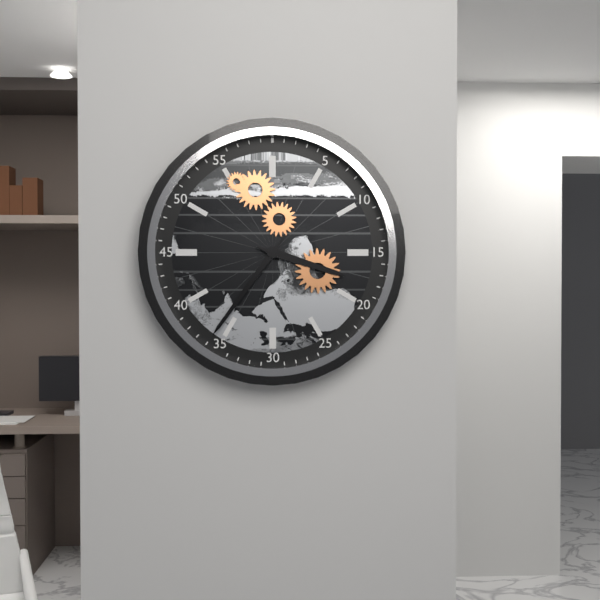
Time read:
h=3 m=36
